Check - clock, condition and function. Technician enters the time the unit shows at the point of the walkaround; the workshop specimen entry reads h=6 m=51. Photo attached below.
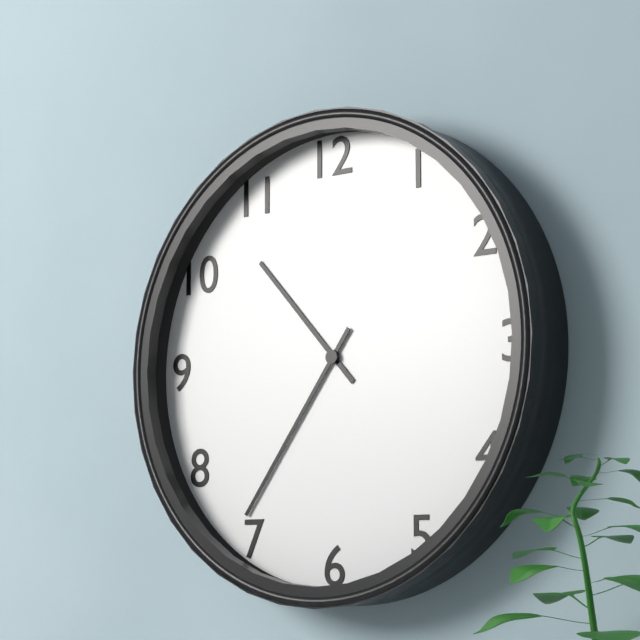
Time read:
h=10 m=36
